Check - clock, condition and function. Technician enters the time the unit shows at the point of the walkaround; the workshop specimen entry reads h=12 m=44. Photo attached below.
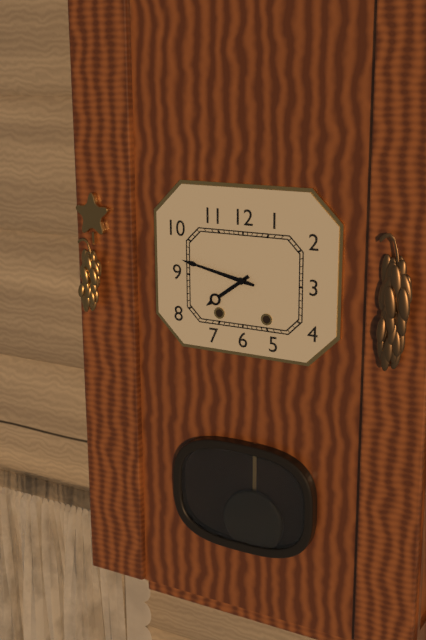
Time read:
h=7 m=47
